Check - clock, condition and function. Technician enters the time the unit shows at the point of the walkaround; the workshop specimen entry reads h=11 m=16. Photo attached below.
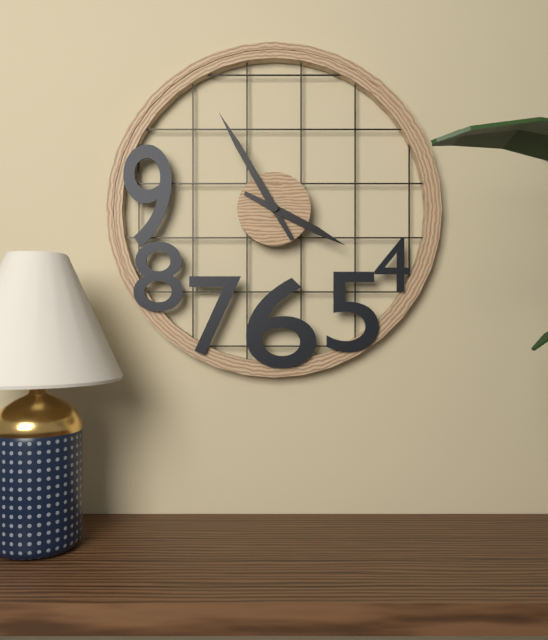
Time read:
h=3 m=55
